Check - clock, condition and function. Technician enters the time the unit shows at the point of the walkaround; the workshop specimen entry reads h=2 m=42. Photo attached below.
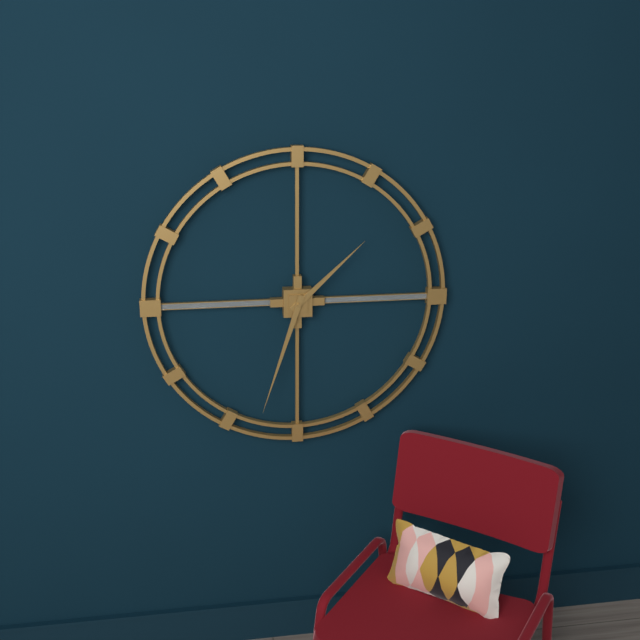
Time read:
h=1 m=33
